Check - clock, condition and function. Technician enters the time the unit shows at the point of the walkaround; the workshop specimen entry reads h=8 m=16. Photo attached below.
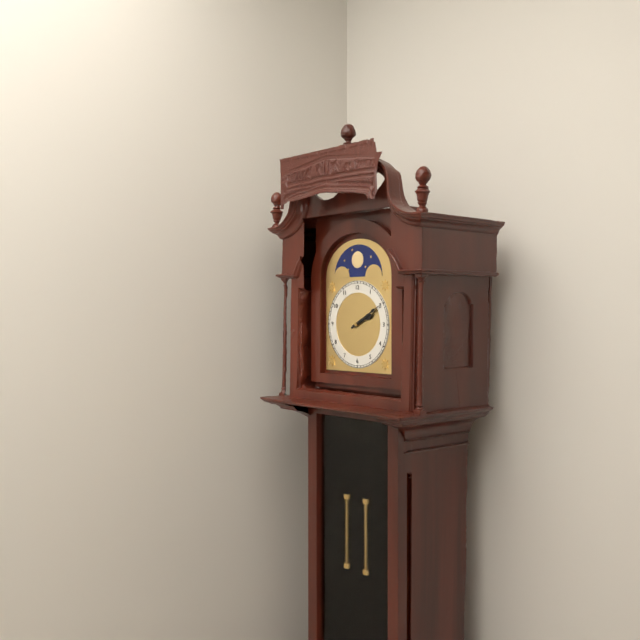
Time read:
h=2 m=10
